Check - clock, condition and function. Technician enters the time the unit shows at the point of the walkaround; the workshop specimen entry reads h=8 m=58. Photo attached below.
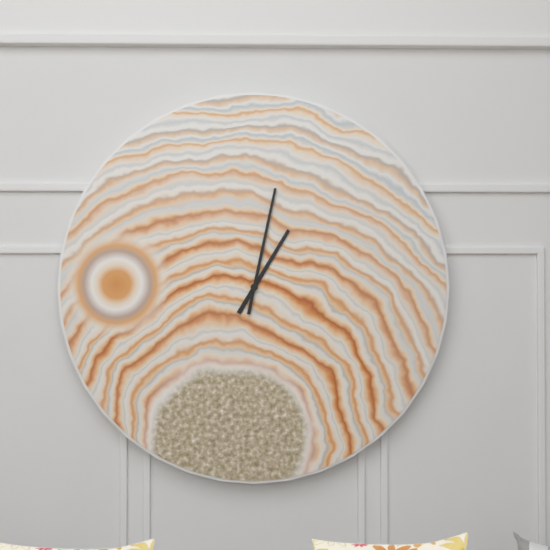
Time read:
h=1 m=2
